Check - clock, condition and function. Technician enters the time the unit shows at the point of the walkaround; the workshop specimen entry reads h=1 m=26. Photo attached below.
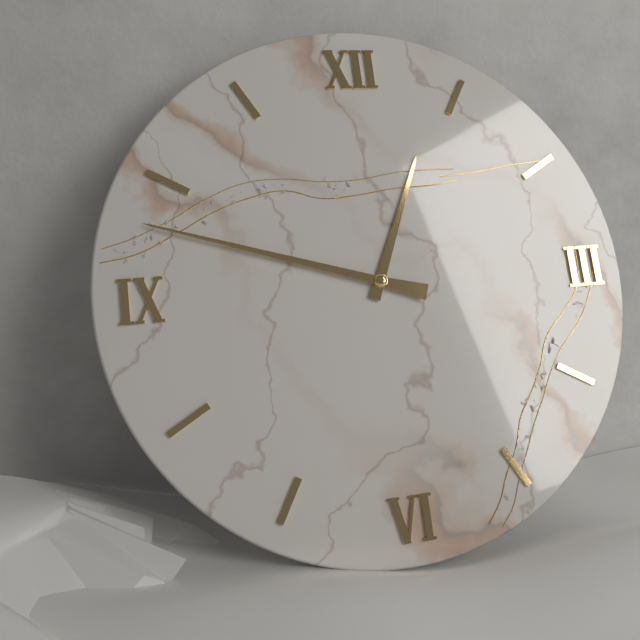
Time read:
h=12 m=48
